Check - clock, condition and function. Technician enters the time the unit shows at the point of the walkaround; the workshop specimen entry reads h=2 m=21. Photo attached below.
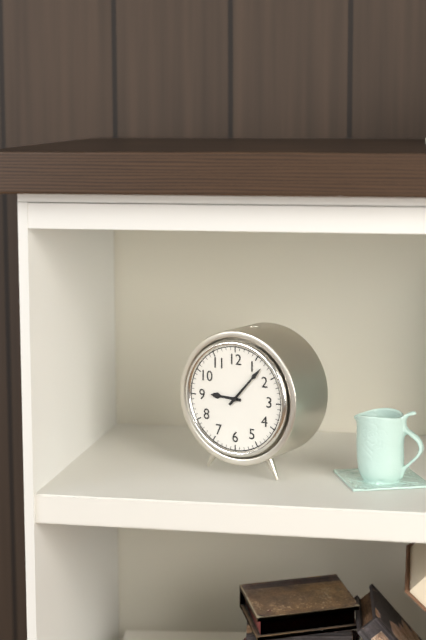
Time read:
h=9 m=7
